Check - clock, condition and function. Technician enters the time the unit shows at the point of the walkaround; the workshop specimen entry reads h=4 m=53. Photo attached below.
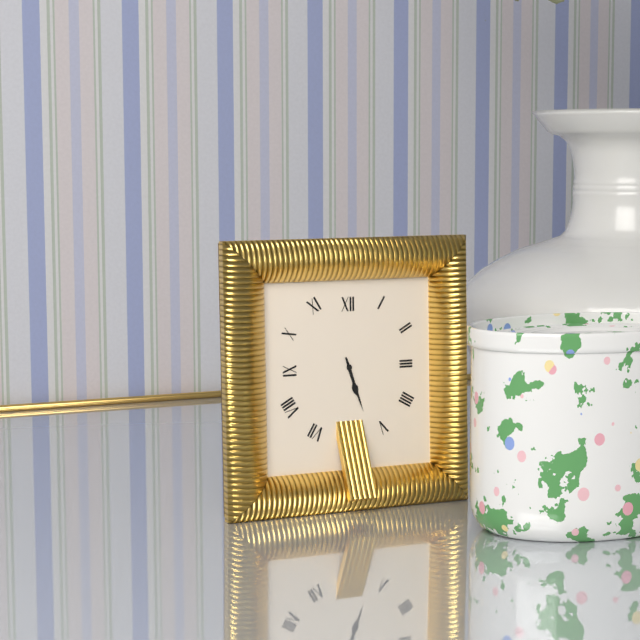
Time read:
h=5 m=27
